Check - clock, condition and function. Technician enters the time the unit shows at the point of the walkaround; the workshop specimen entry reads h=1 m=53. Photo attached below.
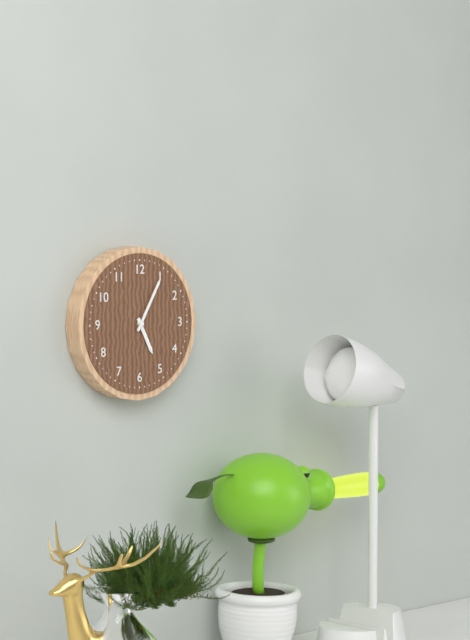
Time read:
h=5 m=5
